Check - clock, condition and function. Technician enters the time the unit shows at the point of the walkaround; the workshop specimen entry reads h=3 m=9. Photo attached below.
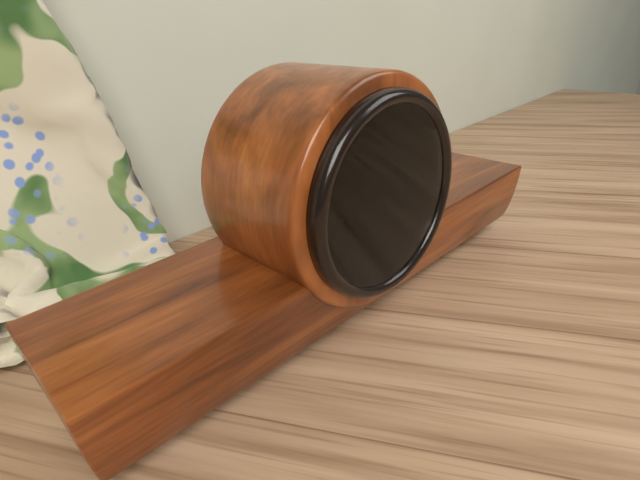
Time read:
h=8 m=12
